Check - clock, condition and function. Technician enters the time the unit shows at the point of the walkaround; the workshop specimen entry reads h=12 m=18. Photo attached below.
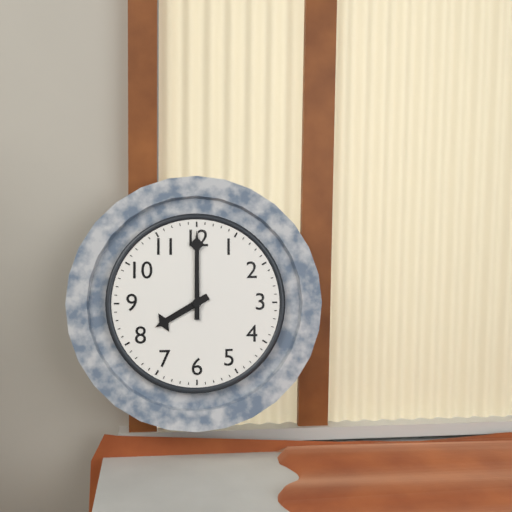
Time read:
h=8 m=0
